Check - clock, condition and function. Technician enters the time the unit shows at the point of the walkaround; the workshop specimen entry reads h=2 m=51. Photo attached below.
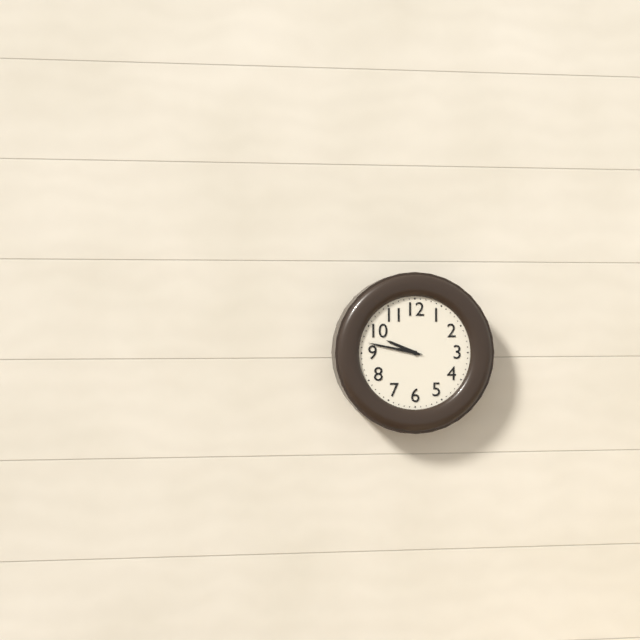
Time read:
h=9 m=47
